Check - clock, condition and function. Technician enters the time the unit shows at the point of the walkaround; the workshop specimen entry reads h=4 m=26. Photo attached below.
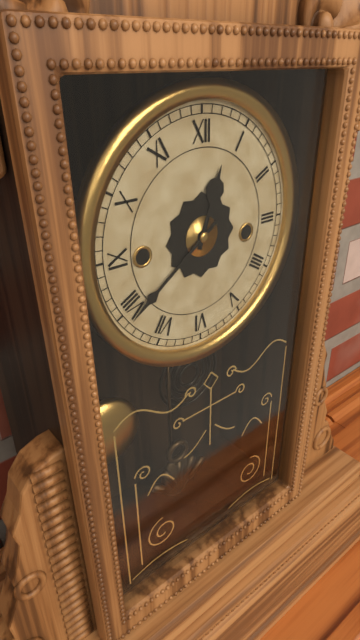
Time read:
h=12 m=39
